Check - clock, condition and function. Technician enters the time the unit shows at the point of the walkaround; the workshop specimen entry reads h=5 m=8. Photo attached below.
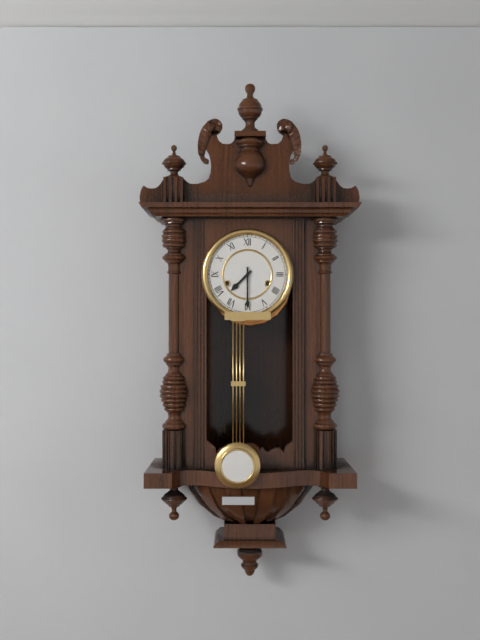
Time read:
h=7 m=30
